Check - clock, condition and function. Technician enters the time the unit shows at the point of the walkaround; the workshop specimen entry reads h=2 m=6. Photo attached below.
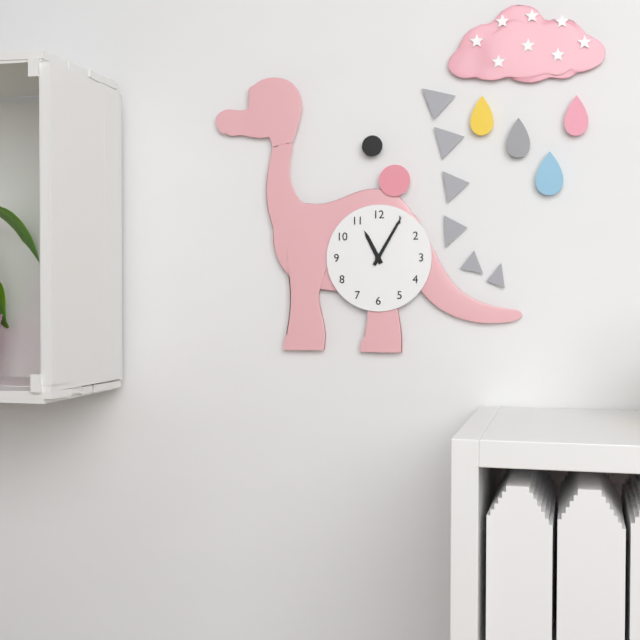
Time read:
h=11 m=5
